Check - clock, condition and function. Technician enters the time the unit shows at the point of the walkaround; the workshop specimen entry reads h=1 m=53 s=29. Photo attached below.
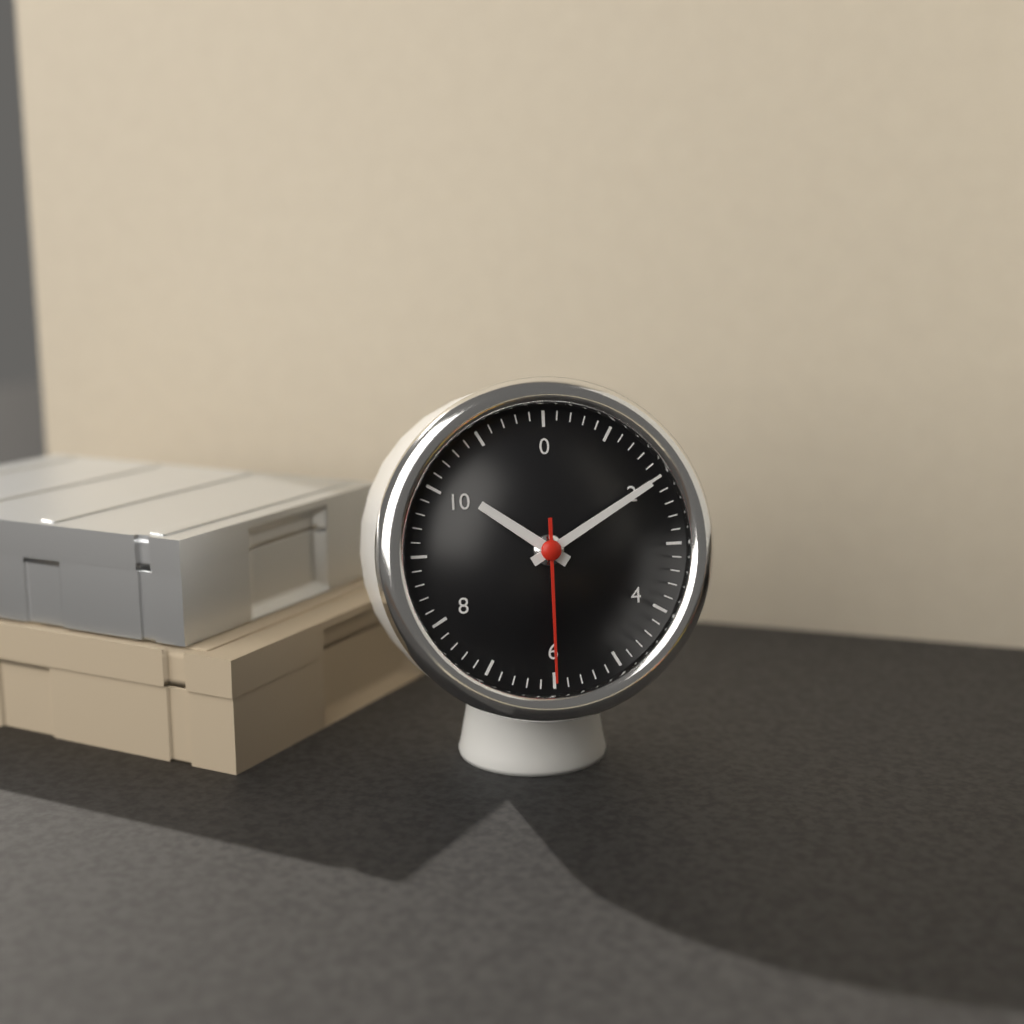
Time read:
h=10 m=10 s=30
